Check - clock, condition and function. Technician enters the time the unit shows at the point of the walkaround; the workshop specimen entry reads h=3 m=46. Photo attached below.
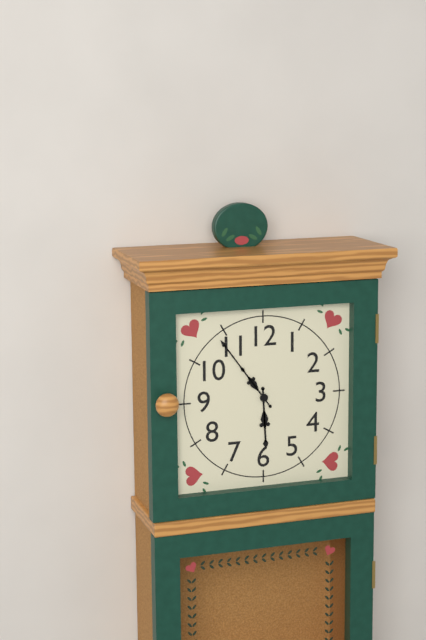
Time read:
h=5 m=54
